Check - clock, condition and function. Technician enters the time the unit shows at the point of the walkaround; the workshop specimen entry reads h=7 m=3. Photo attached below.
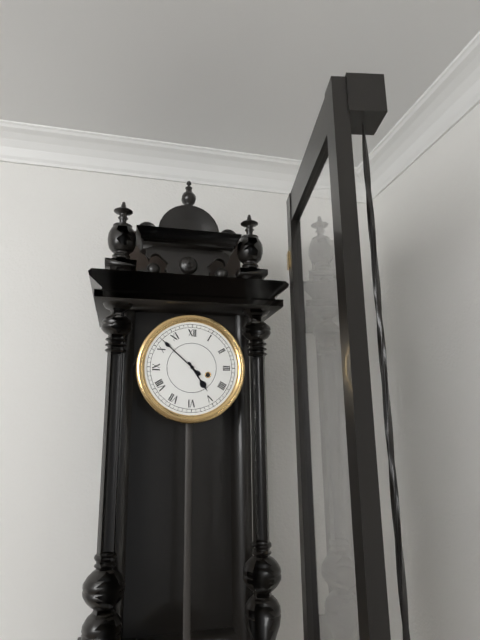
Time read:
h=4 m=52
